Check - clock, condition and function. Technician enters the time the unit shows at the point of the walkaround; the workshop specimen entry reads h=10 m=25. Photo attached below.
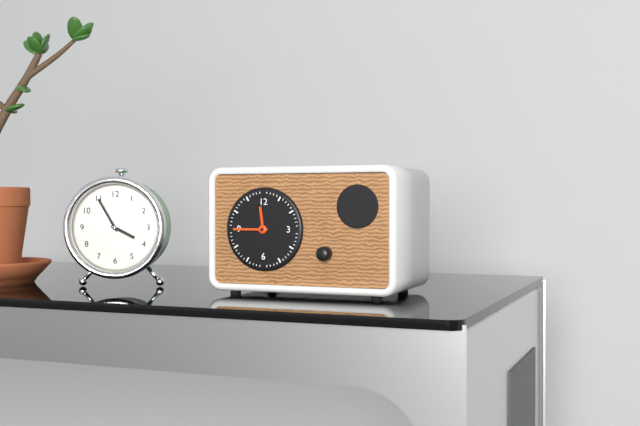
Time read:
h=11 m=45
